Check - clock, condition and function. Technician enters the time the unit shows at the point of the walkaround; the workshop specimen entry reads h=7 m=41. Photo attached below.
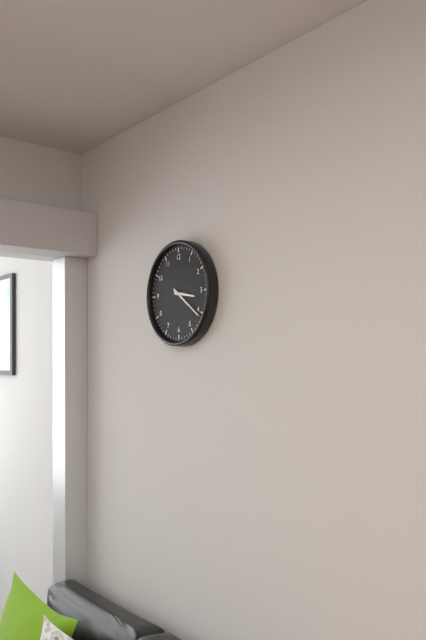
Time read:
h=3 m=21
